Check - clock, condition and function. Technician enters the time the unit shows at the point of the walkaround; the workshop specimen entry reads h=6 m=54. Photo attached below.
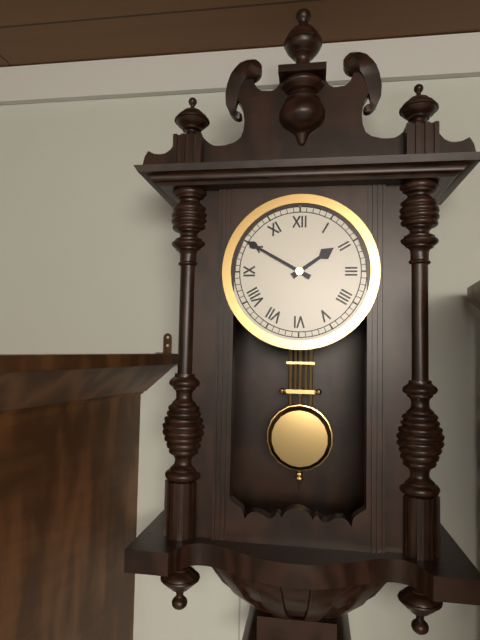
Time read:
h=1 m=50
